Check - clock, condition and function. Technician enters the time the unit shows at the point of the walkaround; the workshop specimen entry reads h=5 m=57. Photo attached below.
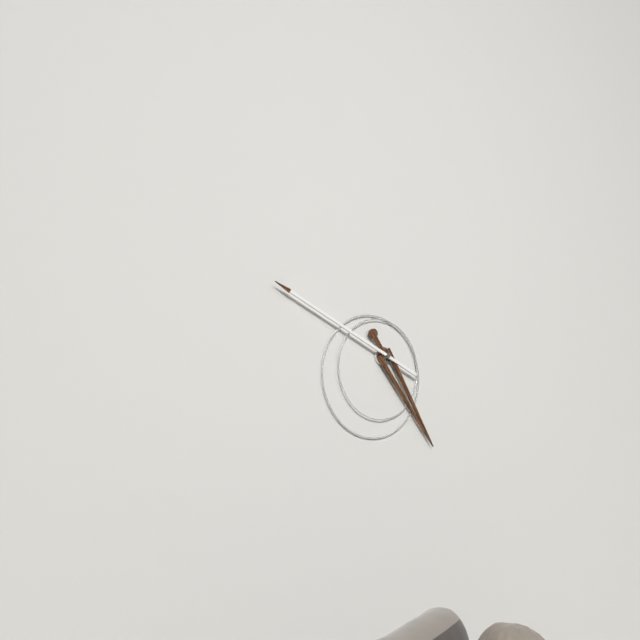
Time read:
h=4 m=49
